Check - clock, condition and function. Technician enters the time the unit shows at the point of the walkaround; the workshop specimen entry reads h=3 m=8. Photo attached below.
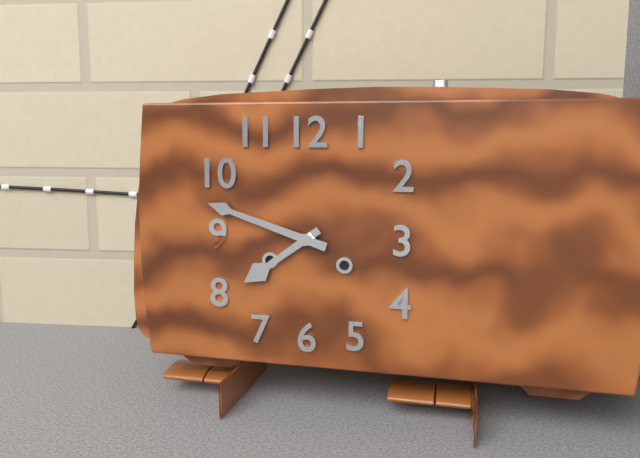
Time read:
h=7 m=48
